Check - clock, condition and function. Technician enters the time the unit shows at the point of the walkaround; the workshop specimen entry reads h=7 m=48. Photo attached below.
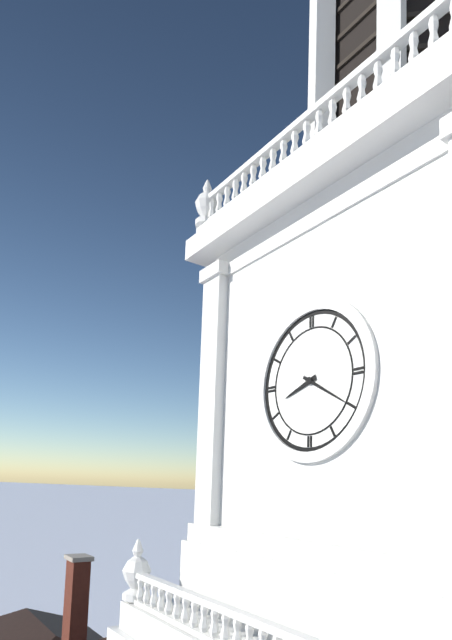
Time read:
h=8 m=20
